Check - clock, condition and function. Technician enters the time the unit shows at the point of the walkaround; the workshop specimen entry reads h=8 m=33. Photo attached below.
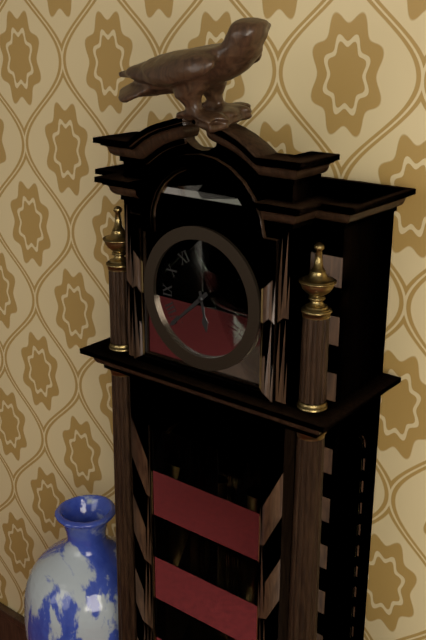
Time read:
h=5 m=38
